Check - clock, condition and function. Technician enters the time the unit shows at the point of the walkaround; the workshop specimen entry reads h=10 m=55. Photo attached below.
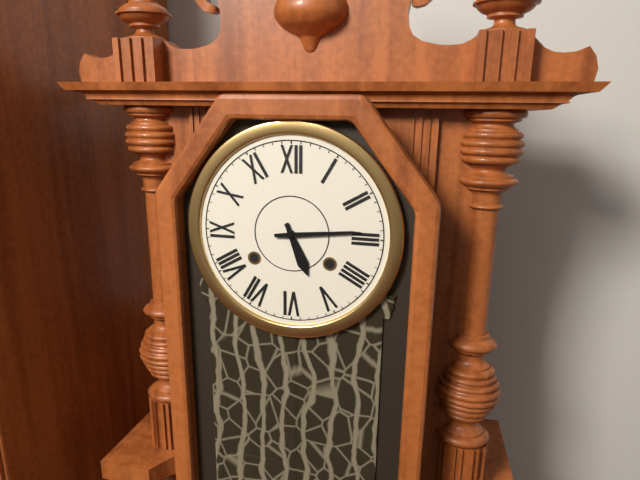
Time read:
h=5 m=14
